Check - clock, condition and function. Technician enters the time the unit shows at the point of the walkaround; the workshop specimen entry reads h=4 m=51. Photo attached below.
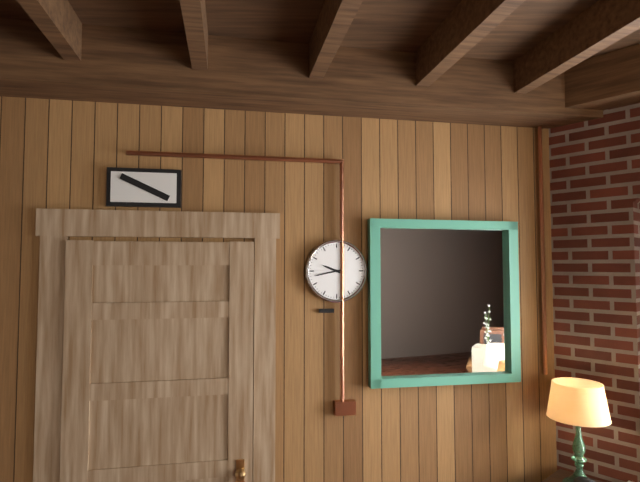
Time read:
h=9 m=43
